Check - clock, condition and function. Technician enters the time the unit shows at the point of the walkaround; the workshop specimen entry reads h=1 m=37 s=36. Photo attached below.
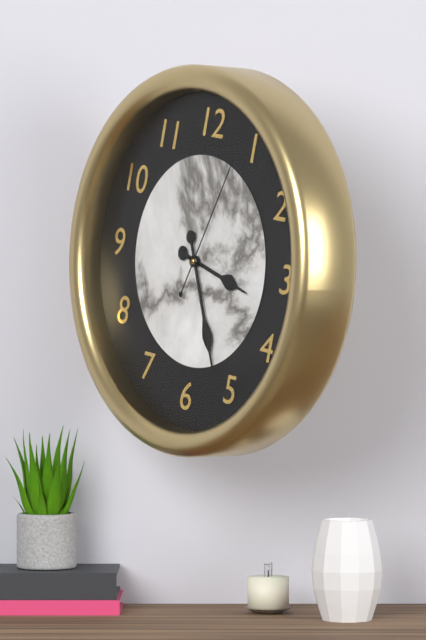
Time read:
h=3 m=26 s=4
